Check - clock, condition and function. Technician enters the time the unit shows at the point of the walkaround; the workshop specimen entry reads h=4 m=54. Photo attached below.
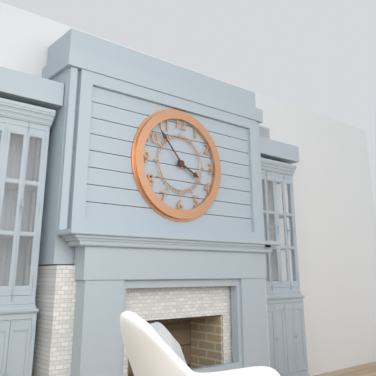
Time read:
h=3 m=53
